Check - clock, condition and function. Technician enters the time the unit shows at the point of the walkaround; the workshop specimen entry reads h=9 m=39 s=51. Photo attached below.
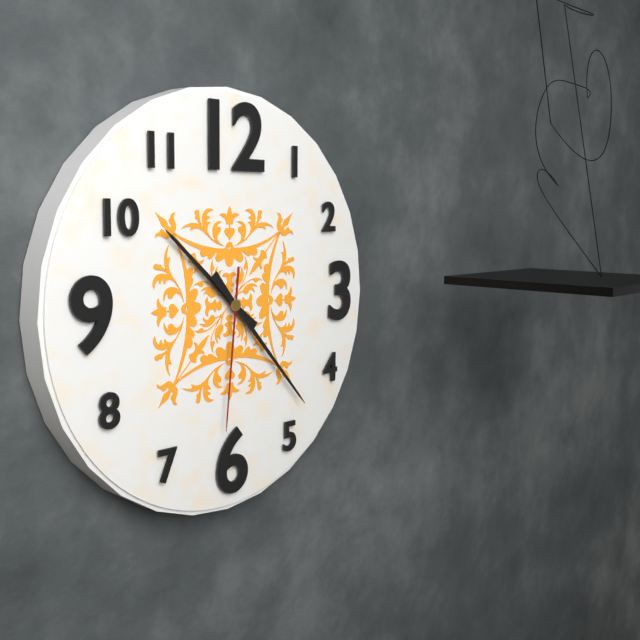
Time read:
h=10 m=23 s=31
